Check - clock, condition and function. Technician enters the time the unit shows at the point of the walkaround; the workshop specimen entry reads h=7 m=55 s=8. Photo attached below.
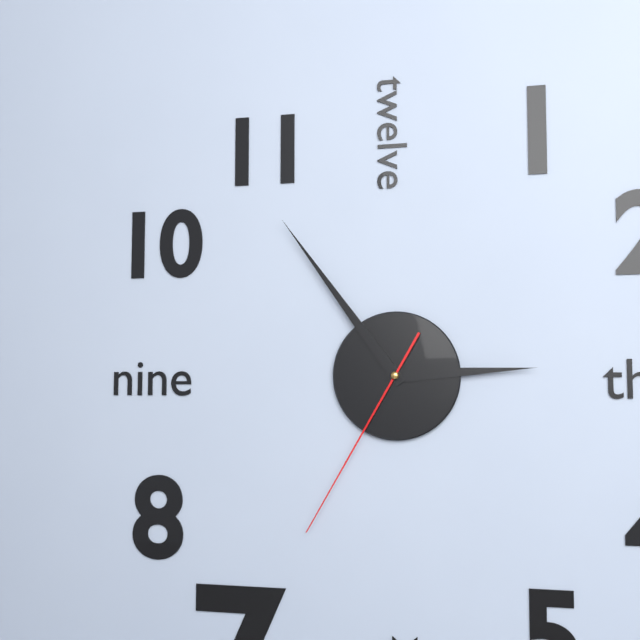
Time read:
h=2 m=54 s=35
